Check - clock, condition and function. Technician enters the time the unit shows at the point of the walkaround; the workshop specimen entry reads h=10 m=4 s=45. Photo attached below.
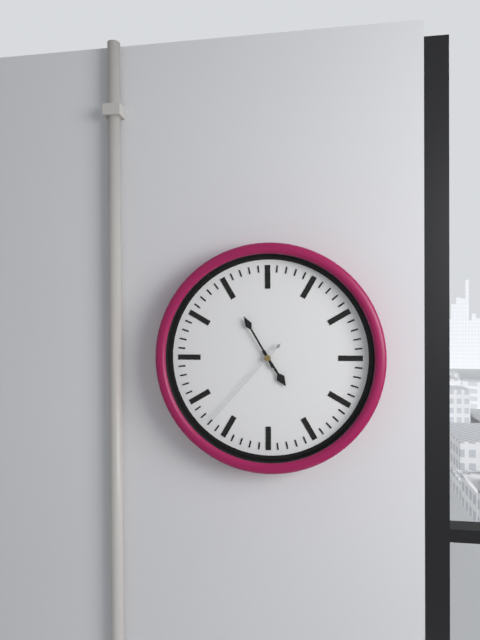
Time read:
h=4 m=55 s=37
